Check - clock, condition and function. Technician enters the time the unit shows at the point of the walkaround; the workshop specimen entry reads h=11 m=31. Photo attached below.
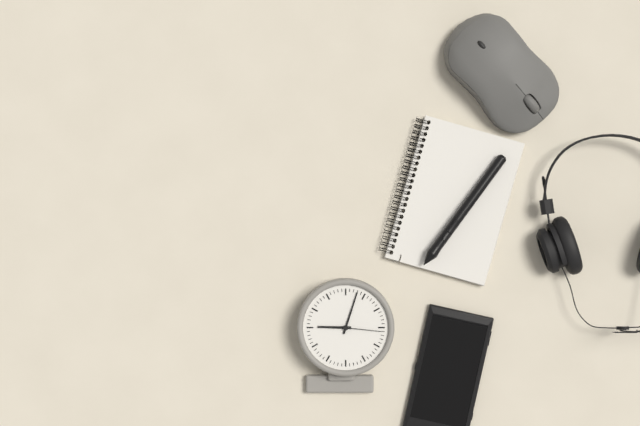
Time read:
h=9 m=3
